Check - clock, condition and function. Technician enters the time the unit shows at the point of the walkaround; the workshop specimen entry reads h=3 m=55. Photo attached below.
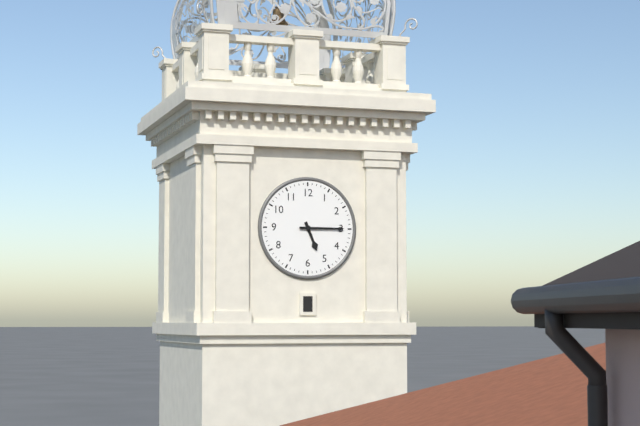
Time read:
h=5 m=15
